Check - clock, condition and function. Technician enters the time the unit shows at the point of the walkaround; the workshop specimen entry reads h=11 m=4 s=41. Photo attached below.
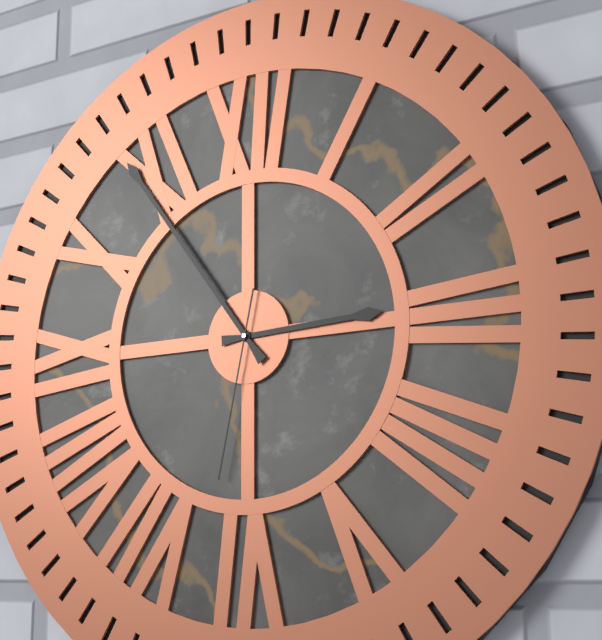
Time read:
h=2 m=54 s=32
